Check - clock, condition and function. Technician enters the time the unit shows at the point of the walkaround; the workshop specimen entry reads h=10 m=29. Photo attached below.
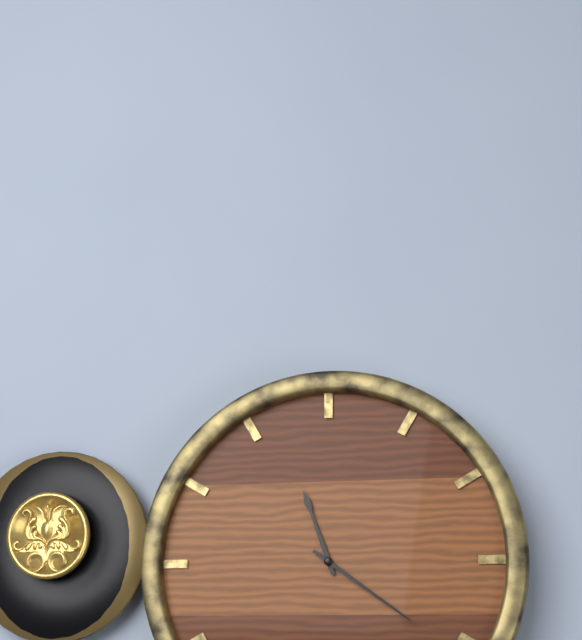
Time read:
h=11 m=21
